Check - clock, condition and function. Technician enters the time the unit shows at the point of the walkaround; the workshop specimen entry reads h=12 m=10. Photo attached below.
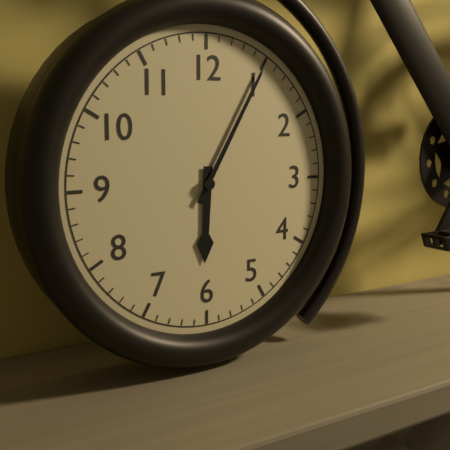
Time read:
h=6 m=5
